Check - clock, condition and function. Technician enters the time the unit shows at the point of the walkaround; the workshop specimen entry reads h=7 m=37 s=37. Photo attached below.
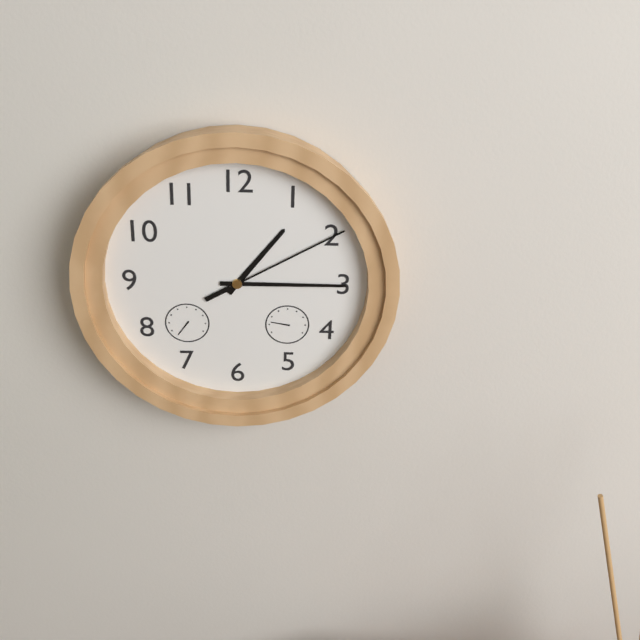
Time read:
h=1 m=15 s=10
